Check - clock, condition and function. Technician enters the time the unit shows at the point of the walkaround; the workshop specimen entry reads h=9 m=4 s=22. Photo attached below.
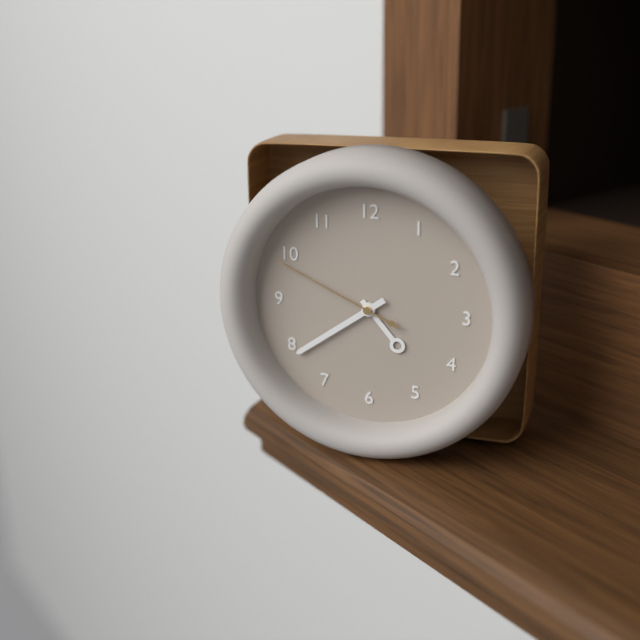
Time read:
h=4 m=39 s=49
